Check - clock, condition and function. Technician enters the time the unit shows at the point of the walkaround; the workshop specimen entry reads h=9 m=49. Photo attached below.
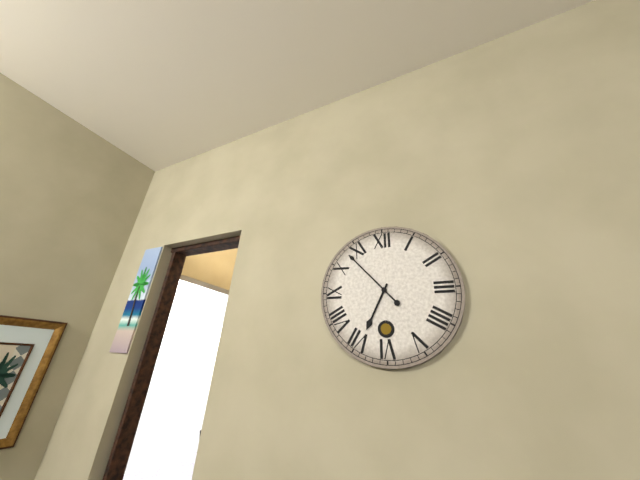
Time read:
h=6 m=53
